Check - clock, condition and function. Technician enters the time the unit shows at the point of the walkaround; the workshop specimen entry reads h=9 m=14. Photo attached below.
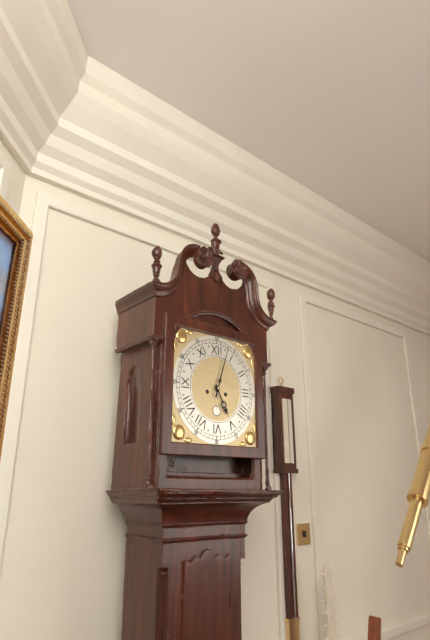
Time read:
h=5 m=3
